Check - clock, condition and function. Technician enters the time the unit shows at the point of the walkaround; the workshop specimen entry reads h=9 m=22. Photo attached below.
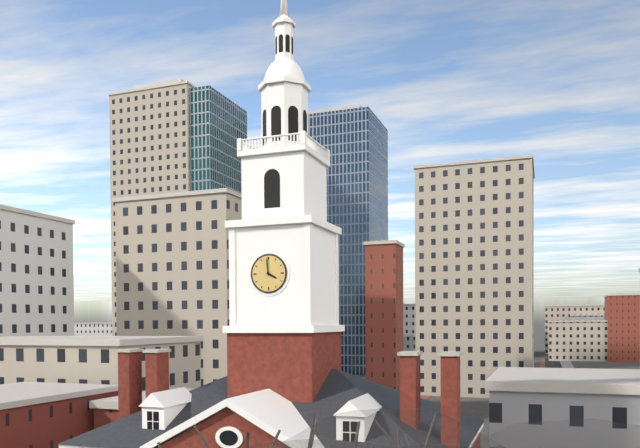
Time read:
h=3 m=59
